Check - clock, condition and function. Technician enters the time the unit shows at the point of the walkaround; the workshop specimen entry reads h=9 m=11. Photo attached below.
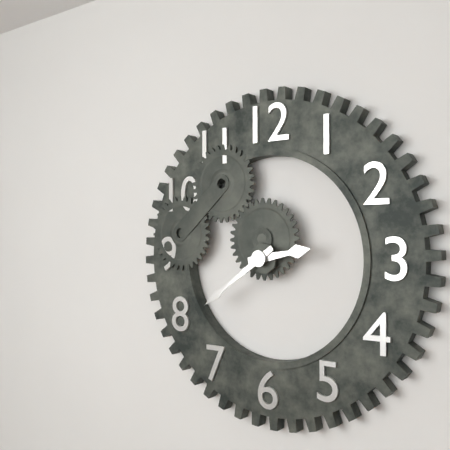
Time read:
h=2 m=39
